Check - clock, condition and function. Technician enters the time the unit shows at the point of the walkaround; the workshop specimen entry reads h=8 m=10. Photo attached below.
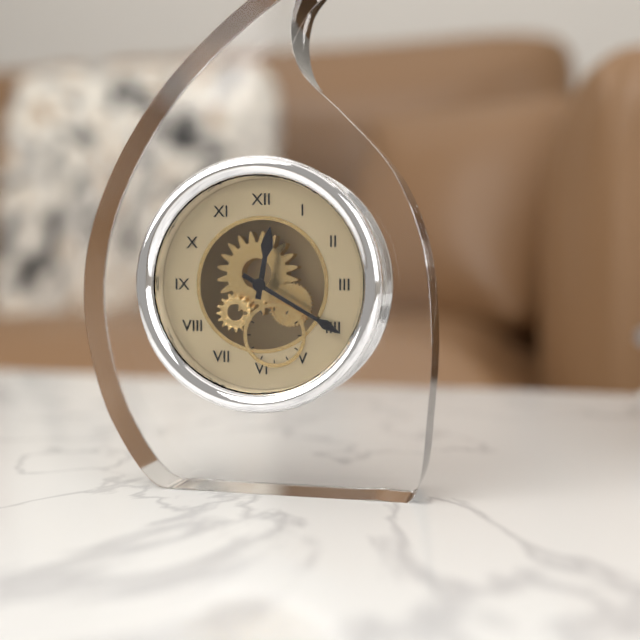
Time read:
h=12 m=20
